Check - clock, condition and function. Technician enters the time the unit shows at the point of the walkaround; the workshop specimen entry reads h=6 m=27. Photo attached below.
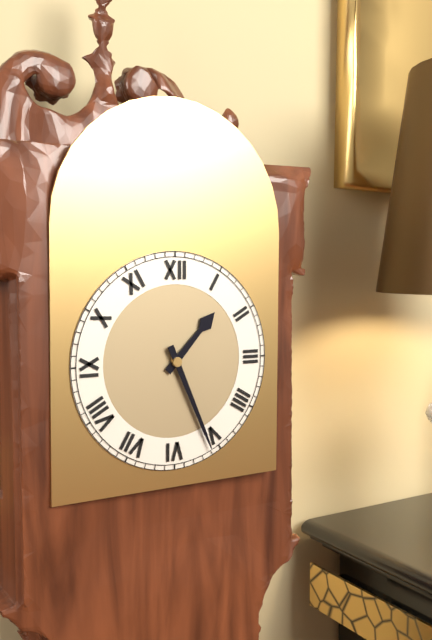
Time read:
h=1 m=26
